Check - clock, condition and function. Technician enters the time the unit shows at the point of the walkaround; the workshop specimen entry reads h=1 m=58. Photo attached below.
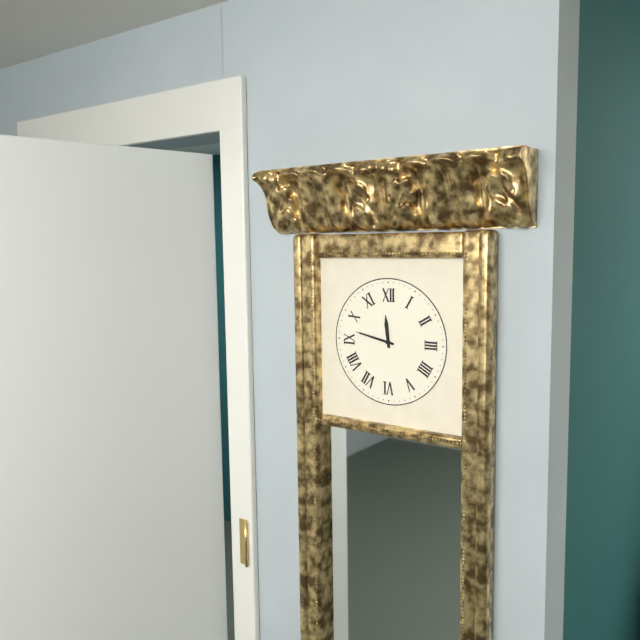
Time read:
h=11 m=47
